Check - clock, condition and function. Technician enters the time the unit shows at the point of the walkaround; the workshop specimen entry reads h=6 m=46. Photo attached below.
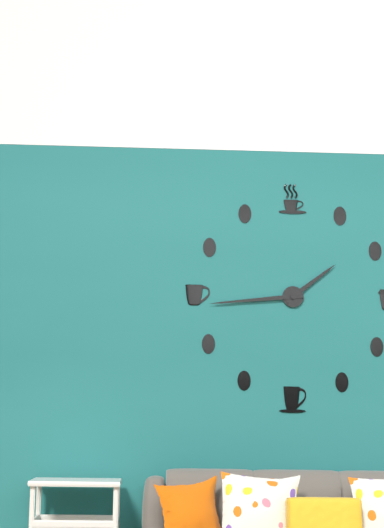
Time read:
h=1 m=44
